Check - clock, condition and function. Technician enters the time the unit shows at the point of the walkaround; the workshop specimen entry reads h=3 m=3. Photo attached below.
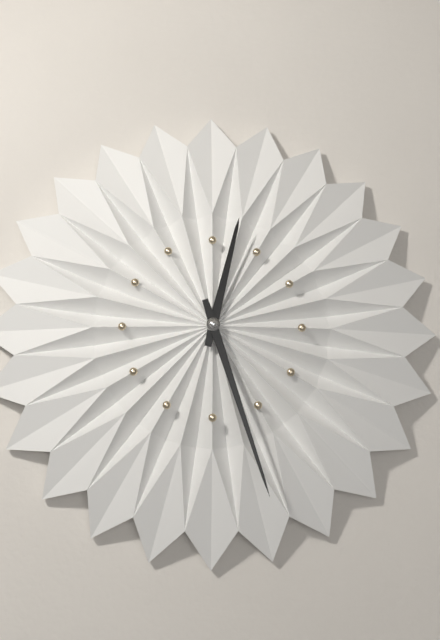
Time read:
h=12 m=27
